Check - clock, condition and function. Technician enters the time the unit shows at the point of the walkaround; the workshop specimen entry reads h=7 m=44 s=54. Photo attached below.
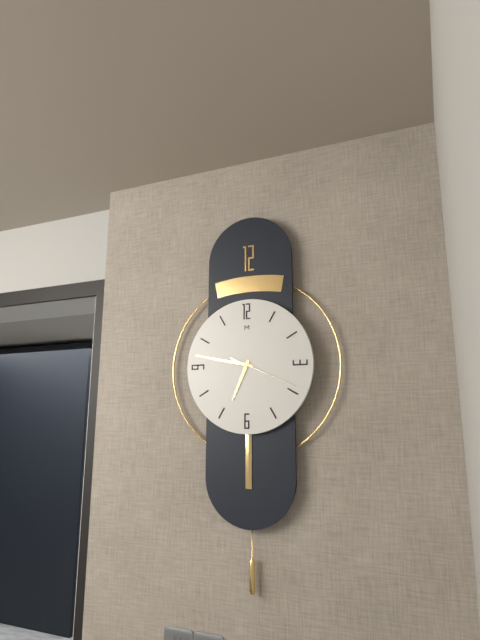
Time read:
h=6 m=47 s=19
